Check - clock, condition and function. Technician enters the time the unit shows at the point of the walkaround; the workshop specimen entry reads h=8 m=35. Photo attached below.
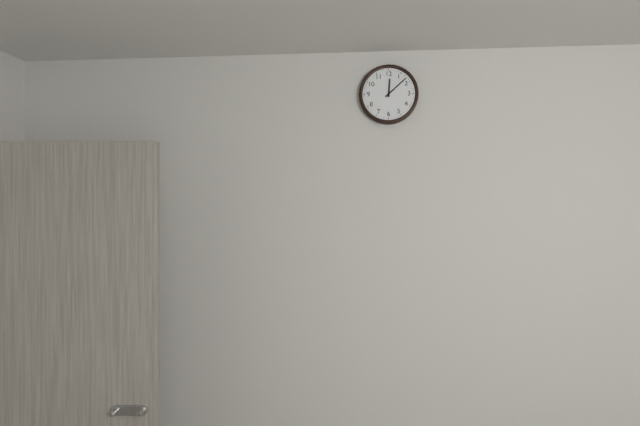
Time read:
h=12 m=8
